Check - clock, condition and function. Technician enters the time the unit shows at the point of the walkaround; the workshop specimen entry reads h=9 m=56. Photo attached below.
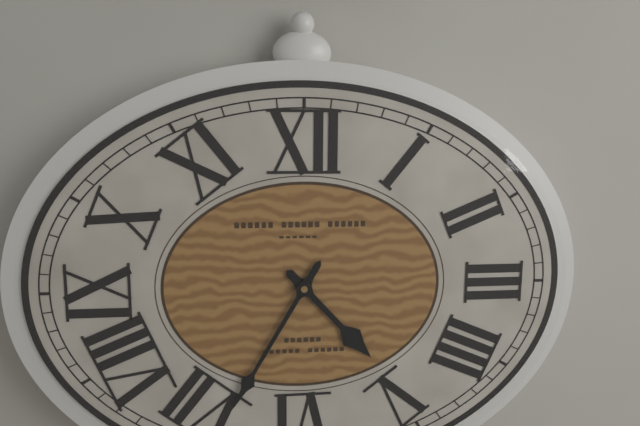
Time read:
h=4 m=35
